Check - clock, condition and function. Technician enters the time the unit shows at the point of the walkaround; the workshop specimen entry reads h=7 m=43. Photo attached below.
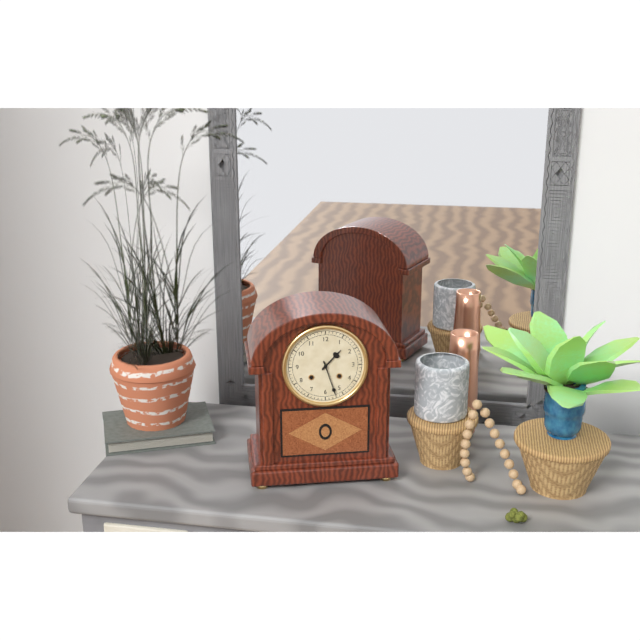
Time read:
h=1 m=27
